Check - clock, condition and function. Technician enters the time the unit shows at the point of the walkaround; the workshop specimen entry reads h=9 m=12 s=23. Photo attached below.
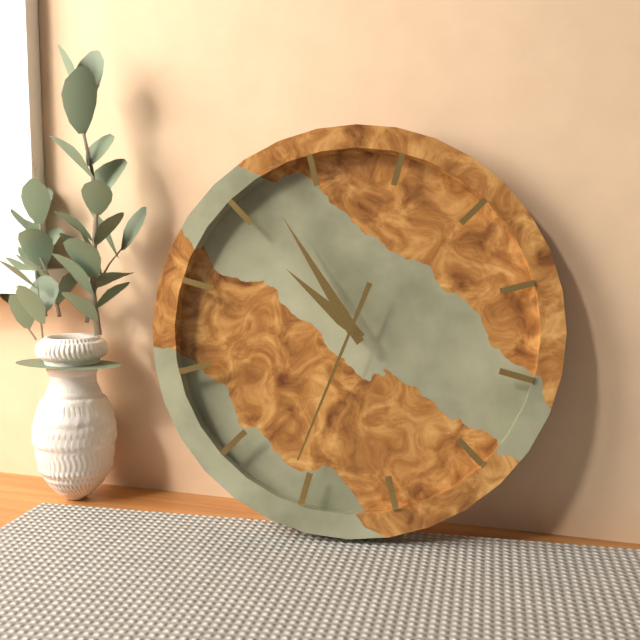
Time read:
h=9 m=52 s=31
